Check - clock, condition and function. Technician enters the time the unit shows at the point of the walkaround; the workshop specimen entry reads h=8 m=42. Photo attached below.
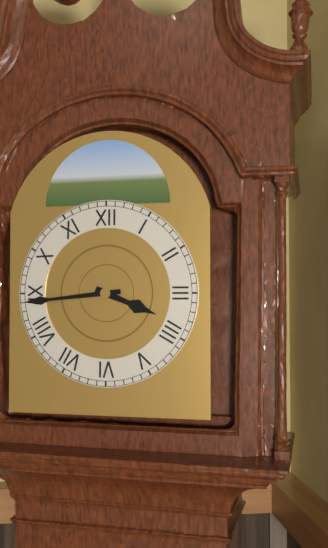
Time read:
h=3 m=44
